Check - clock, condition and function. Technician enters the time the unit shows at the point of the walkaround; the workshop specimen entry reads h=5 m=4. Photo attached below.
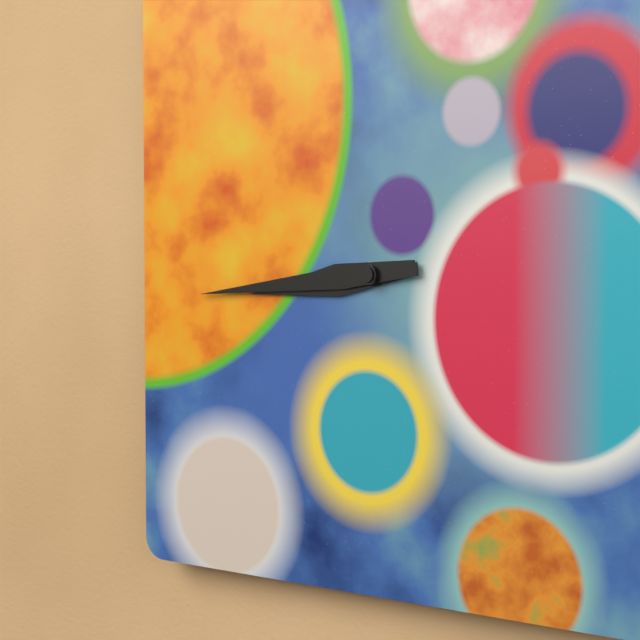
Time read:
h=8 m=44
